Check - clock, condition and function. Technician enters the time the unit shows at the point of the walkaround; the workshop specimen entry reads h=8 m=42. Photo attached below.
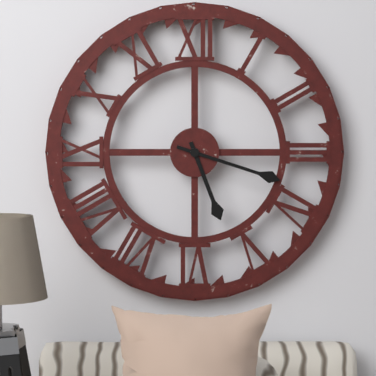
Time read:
h=5 m=18
